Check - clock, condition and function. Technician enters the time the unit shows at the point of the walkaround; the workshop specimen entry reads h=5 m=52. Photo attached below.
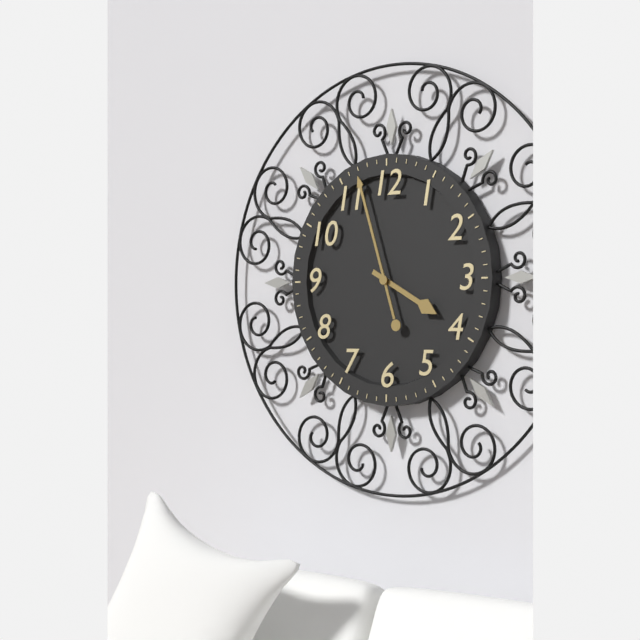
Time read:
h=3 m=57
